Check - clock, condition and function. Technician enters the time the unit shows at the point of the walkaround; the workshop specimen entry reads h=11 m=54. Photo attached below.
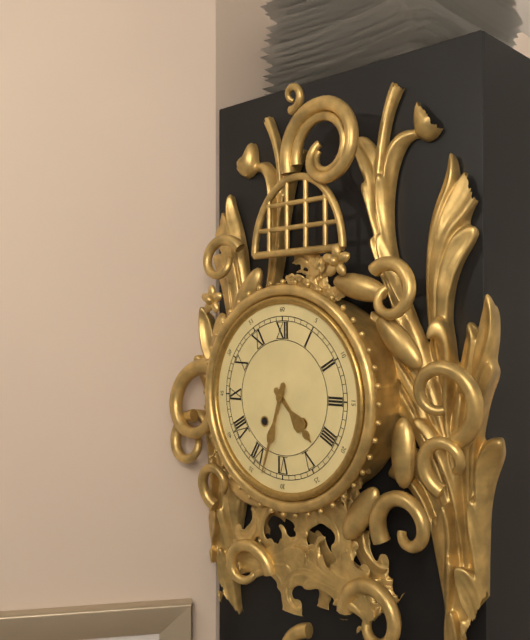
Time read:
h=4 m=33
